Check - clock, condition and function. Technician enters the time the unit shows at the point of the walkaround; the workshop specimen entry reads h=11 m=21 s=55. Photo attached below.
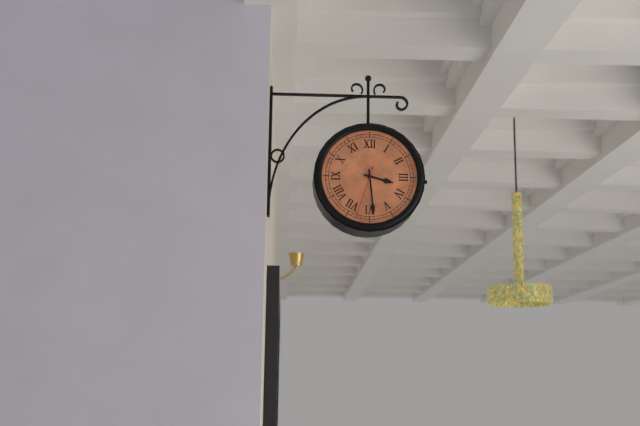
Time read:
h=3 m=29 s=33
